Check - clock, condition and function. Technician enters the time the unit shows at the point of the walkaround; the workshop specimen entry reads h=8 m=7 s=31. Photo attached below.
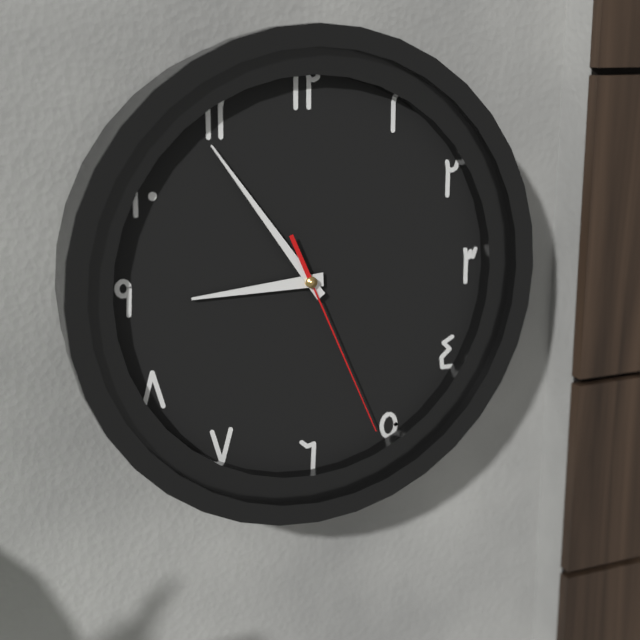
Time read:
h=8 m=54 s=26
